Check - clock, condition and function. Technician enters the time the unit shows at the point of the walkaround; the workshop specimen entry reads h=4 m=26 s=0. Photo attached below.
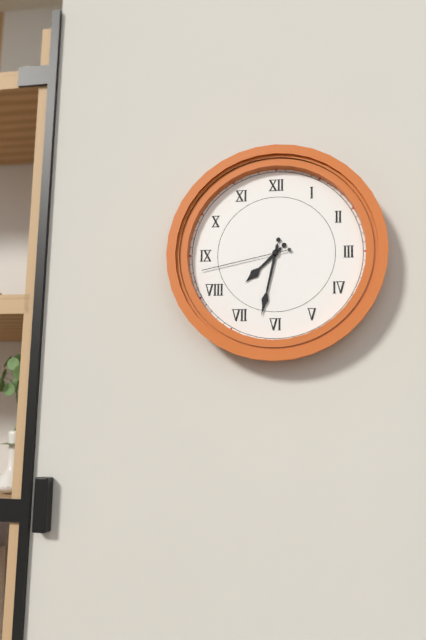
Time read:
h=7 m=32 s=43
